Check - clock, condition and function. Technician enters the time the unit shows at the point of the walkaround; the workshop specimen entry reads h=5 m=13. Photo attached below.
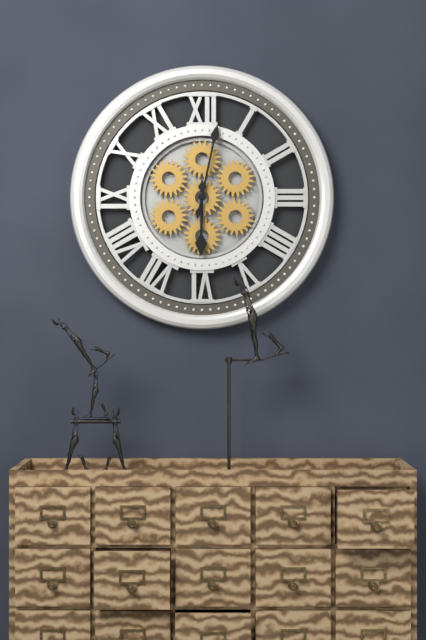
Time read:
h=6 m=2
